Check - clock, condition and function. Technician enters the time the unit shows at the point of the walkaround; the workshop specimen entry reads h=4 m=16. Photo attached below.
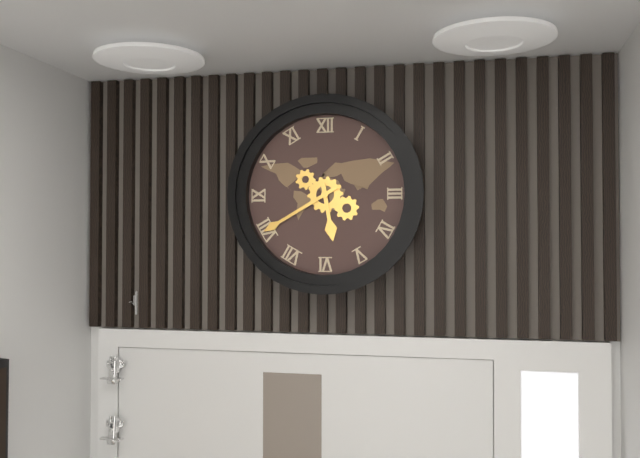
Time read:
h=5 m=40
